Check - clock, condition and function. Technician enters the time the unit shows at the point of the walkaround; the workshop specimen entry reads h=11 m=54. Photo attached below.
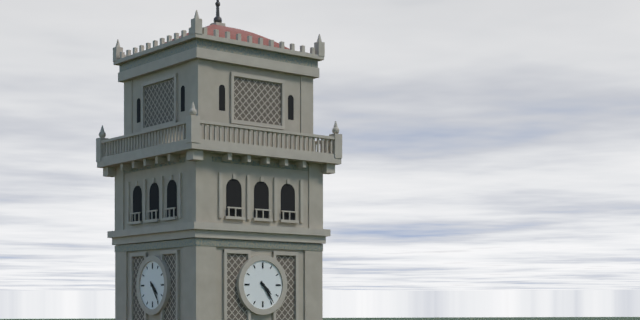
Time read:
h=4 m=24
